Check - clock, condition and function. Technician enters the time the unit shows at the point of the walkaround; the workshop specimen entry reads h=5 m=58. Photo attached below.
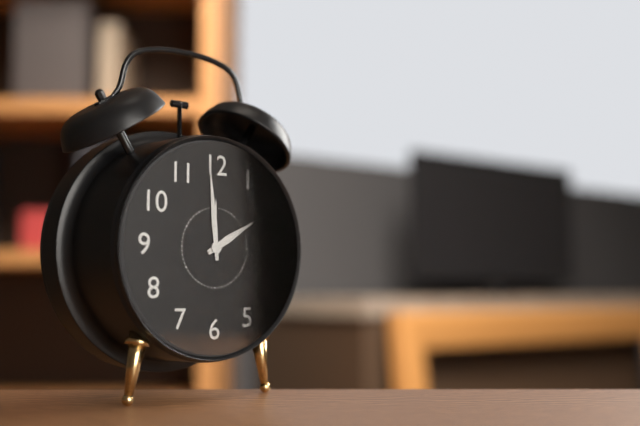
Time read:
h=1 m=59
